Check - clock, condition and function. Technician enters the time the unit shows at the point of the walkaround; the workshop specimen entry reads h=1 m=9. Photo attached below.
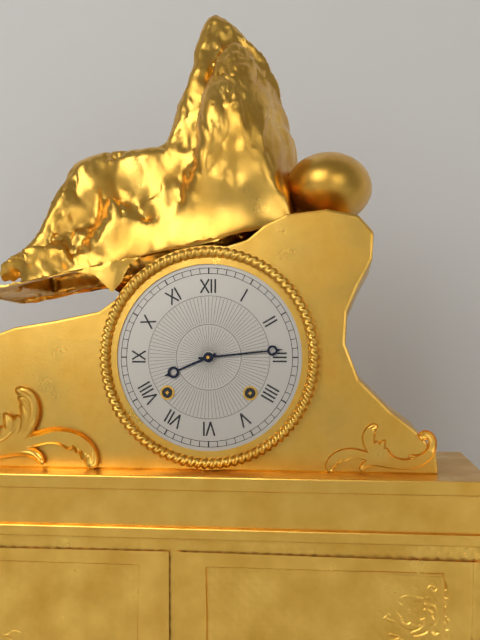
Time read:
h=8 m=14
